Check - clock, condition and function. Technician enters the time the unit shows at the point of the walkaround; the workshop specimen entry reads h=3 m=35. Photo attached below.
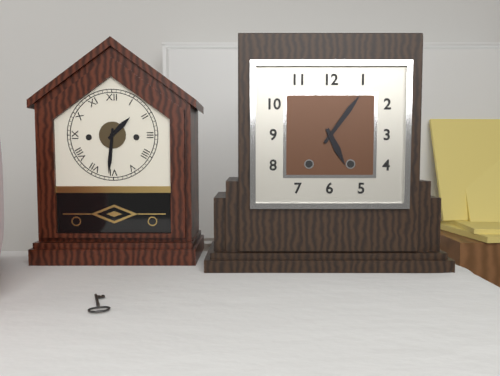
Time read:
h=5 m=6
